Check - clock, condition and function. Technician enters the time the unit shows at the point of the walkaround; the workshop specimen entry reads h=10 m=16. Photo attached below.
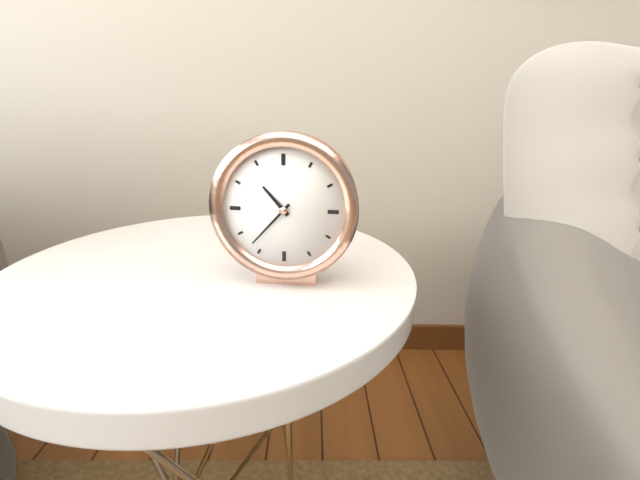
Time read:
h=10 m=37
